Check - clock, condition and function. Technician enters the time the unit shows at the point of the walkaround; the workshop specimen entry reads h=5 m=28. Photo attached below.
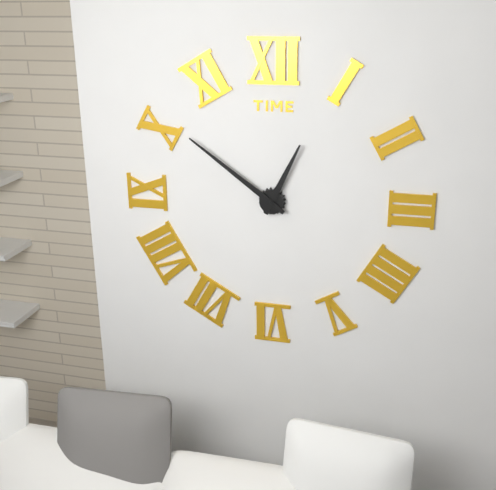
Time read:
h=12 m=51
